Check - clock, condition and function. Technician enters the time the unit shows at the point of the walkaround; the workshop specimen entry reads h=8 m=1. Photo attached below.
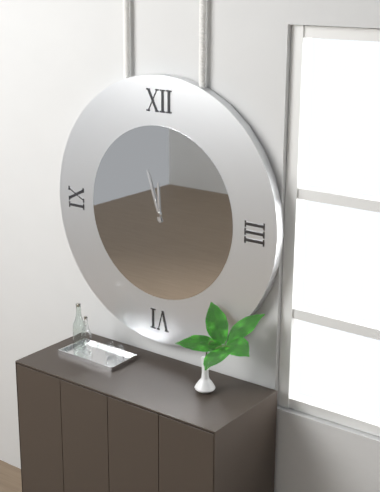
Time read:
h=11 m=57
